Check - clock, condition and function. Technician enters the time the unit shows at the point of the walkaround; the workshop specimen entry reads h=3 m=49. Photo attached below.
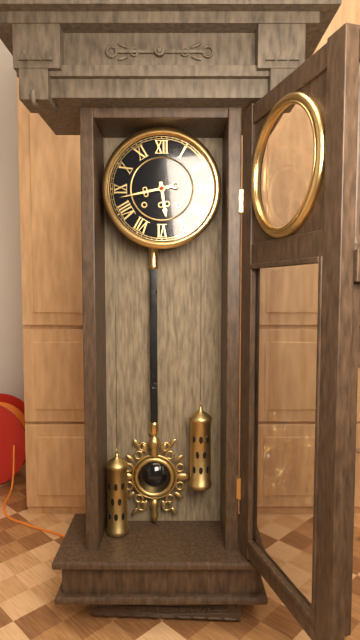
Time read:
h=5 m=43
